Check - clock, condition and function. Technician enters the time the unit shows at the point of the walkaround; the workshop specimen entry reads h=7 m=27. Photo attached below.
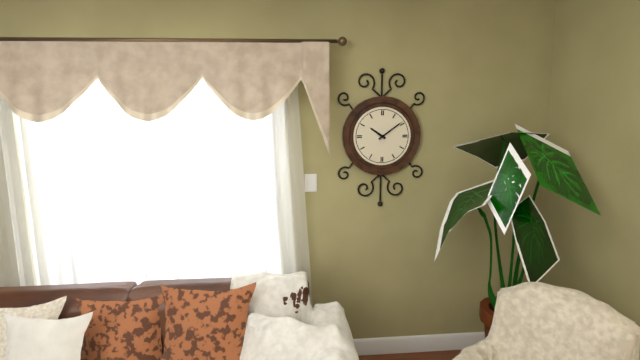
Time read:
h=10 m=9
